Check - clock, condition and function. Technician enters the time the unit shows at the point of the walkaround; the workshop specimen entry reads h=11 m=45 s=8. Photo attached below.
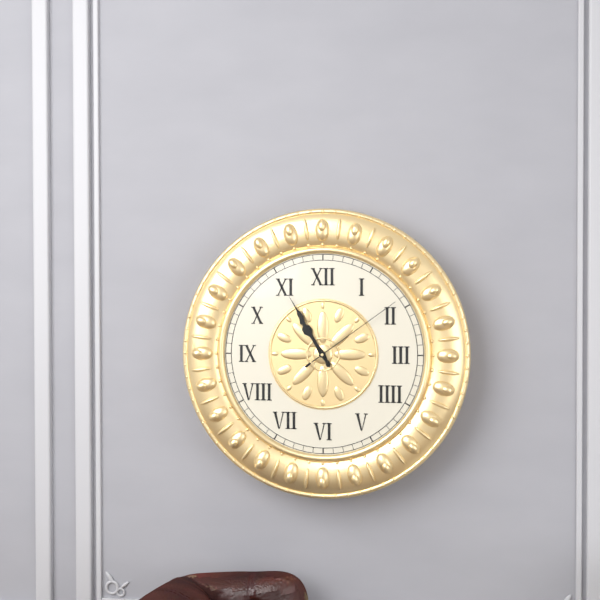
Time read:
h=10 m=55 s=9
